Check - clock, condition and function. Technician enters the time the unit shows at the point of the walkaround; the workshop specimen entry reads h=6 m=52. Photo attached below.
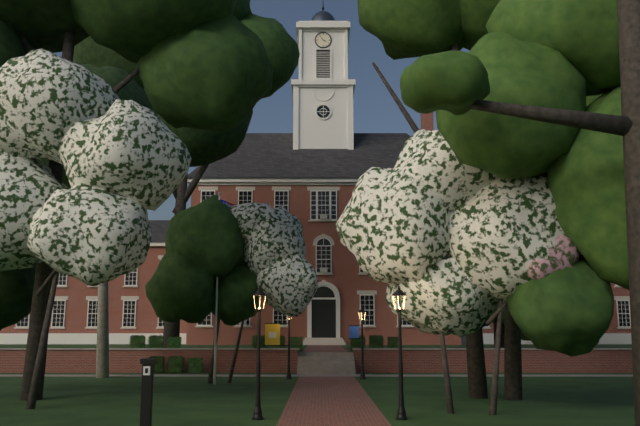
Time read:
h=3 m=54
